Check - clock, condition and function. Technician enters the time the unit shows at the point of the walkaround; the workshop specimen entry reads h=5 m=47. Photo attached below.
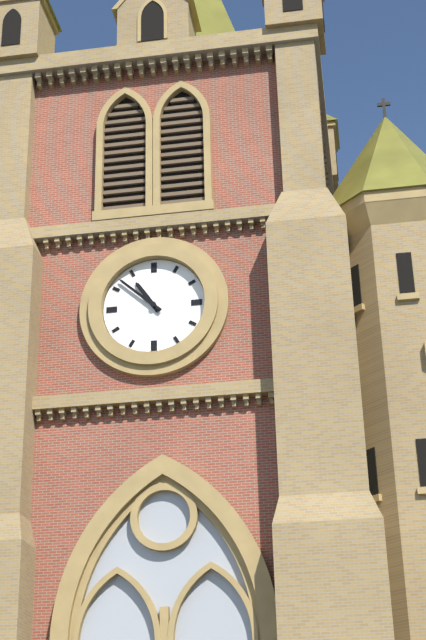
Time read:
h=10 m=52
